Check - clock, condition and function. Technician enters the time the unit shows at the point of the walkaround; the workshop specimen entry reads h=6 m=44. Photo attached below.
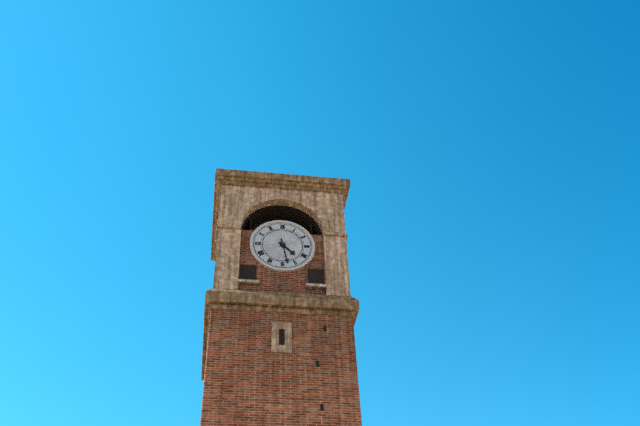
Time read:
h=4 m=28
